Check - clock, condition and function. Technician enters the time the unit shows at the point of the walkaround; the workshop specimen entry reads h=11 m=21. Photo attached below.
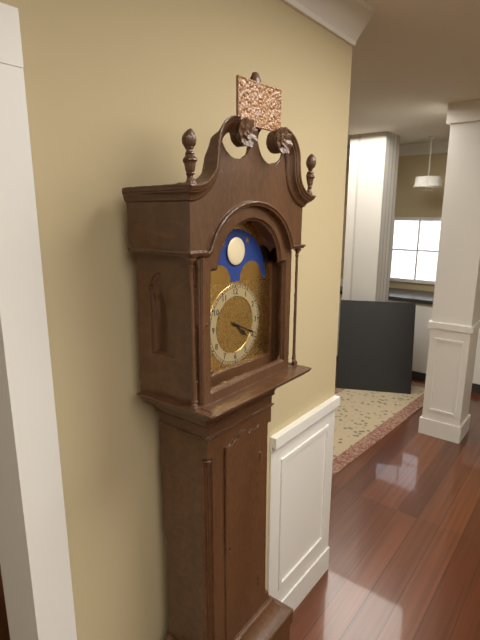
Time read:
h=4 m=19
